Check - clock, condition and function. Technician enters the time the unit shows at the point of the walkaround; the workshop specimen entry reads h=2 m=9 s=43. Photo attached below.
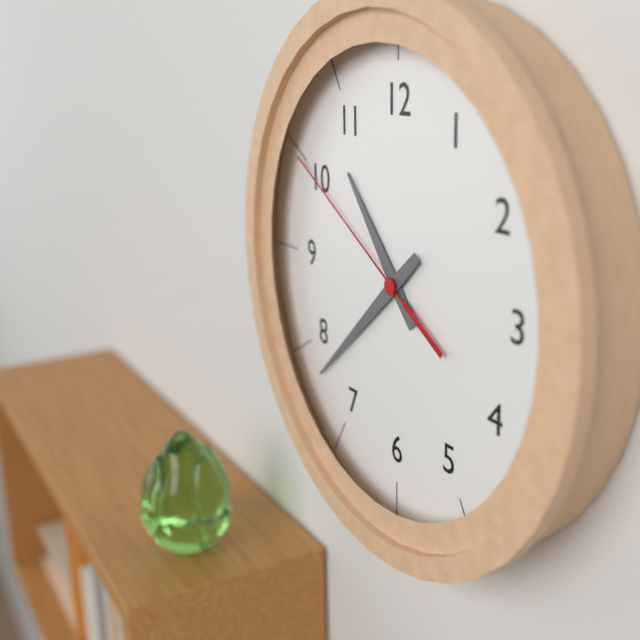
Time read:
h=10 m=38 s=50
